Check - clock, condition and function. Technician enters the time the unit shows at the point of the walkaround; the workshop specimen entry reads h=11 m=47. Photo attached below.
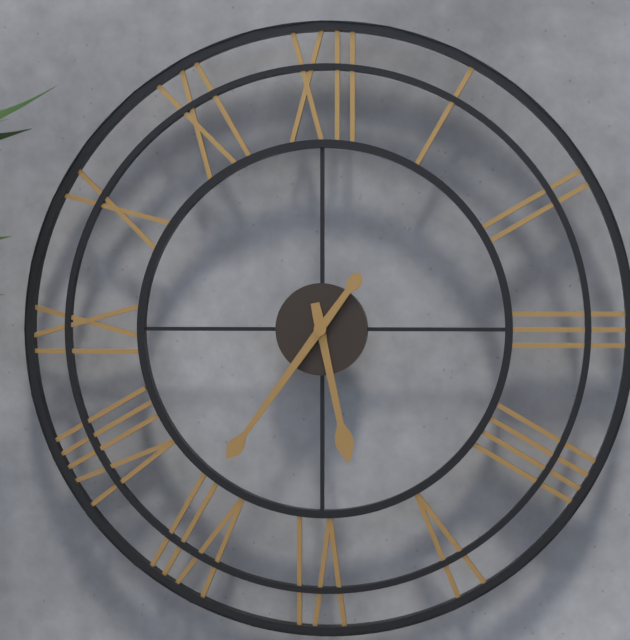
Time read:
h=5 m=36
